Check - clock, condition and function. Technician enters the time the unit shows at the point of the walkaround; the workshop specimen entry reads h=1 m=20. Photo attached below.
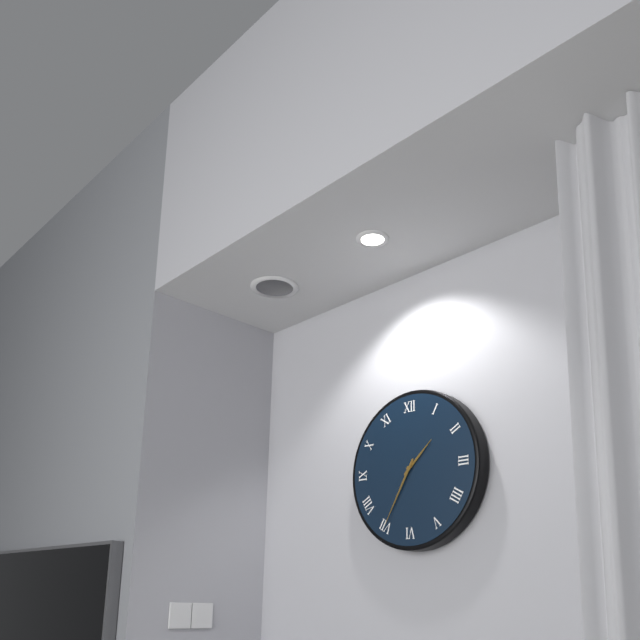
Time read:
h=1 m=35
